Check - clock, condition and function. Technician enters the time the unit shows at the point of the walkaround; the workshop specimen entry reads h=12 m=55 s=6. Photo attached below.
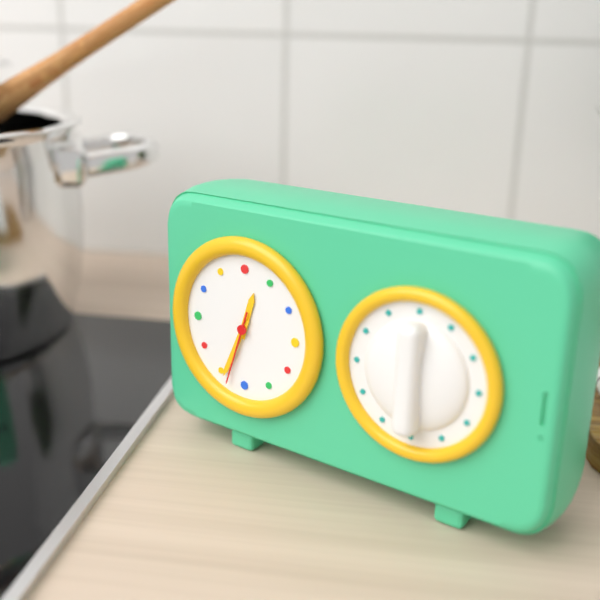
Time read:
h=12 m=34 s=33
